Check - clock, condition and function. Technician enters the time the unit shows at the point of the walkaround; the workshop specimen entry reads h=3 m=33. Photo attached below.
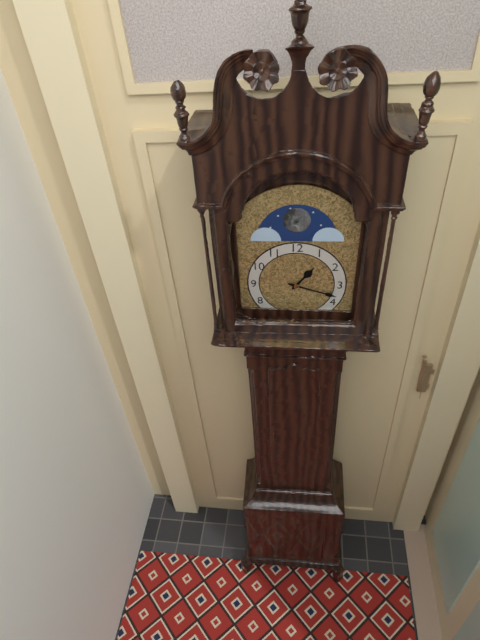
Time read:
h=1 m=18
